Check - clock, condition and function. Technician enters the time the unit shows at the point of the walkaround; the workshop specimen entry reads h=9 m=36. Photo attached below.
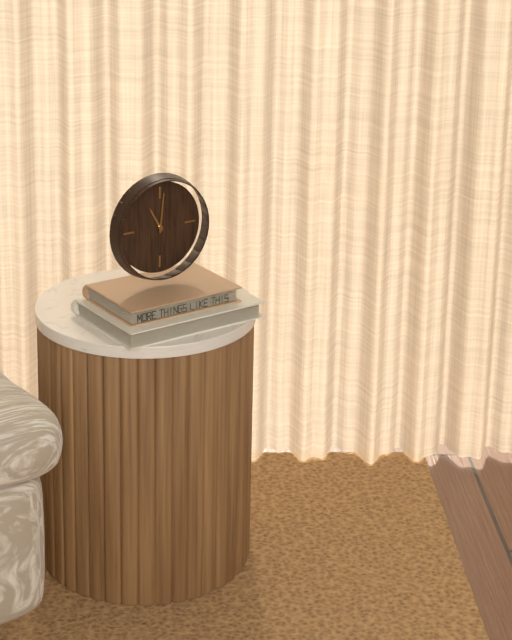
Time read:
h=11 m=1
